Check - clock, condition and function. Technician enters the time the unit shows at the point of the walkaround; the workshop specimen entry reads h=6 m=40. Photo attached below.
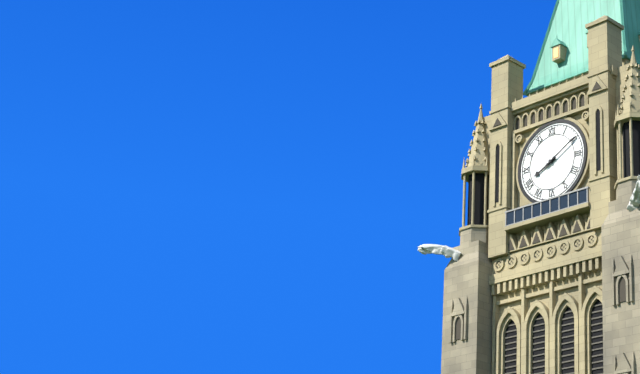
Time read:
h=8 m=10
